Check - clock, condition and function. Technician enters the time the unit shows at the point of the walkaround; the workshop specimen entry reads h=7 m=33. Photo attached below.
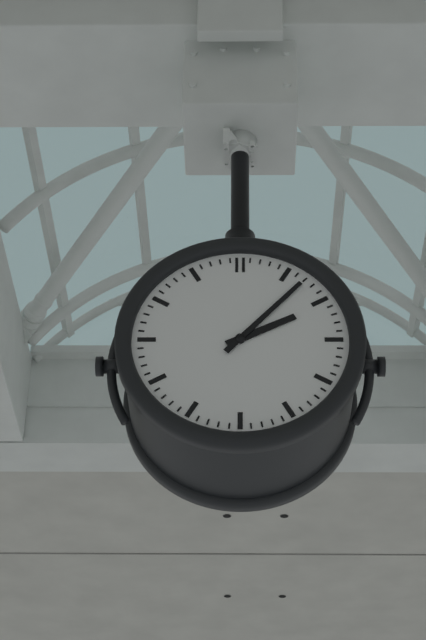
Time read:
h=2 m=7
